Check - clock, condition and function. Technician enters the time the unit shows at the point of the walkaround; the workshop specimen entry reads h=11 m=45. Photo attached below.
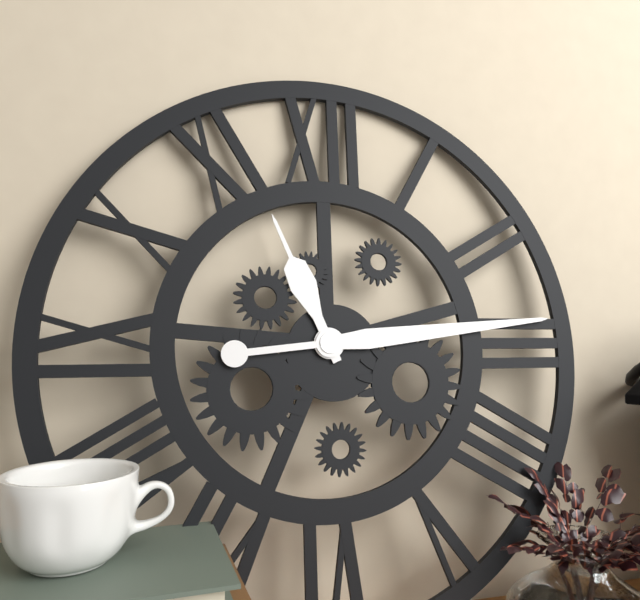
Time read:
h=11 m=14
